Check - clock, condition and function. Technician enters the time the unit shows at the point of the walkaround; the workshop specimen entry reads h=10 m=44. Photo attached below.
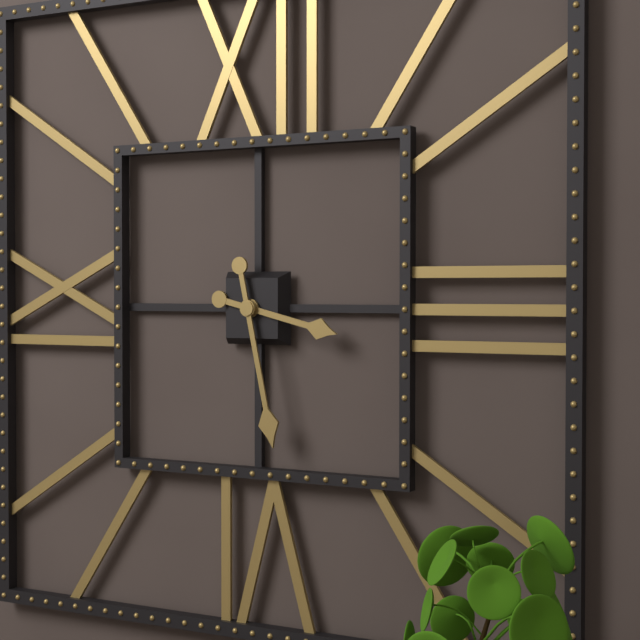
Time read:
h=3 m=28
